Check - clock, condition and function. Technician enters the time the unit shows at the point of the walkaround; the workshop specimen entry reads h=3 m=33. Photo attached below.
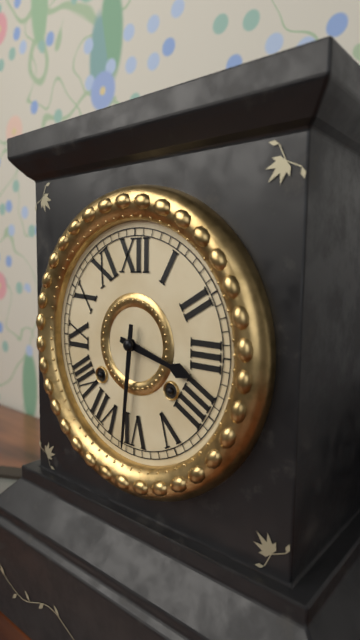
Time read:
h=3 m=31
